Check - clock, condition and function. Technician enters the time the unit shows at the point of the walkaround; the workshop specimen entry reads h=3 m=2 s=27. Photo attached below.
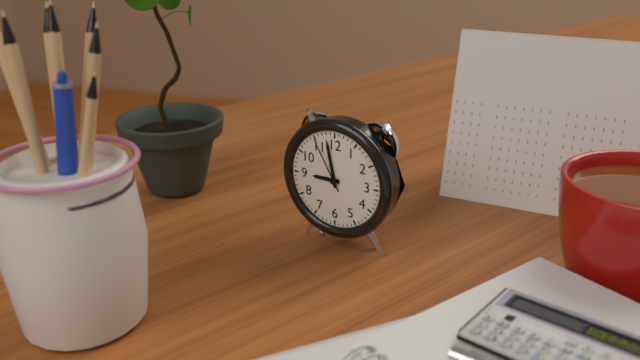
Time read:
h=8 m=58 s=55
